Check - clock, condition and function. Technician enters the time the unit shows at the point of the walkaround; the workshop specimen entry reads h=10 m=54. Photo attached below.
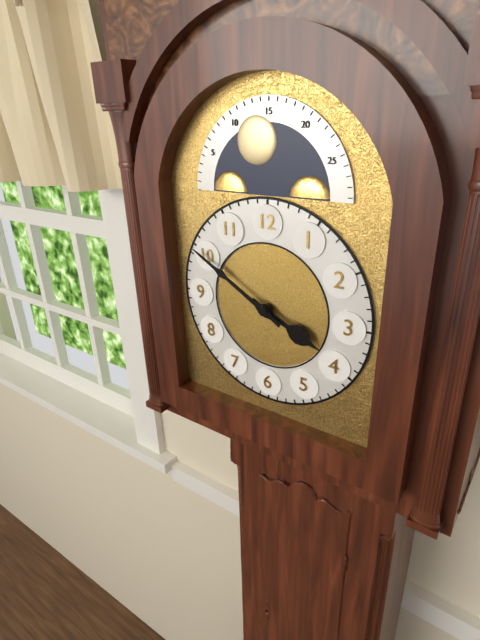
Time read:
h=3 m=50
